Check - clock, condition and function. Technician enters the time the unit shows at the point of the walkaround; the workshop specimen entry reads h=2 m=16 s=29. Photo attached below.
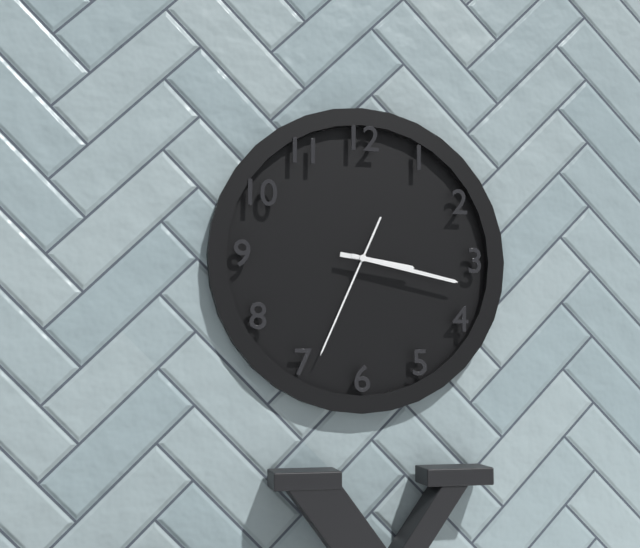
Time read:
h=3 m=17 s=34
